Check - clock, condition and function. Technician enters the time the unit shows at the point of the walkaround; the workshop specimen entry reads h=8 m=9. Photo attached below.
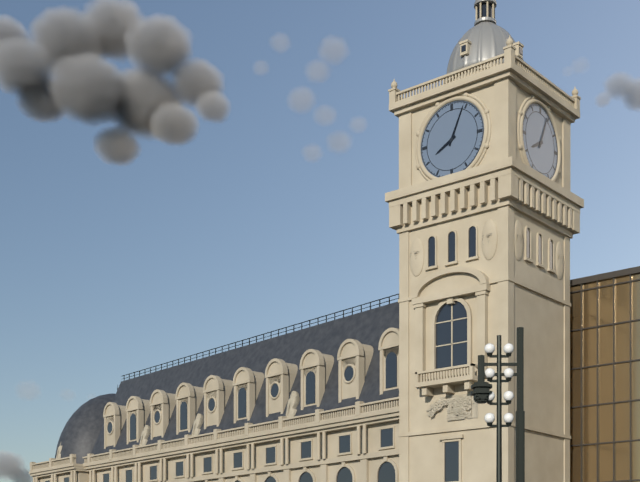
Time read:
h=8 m=4
